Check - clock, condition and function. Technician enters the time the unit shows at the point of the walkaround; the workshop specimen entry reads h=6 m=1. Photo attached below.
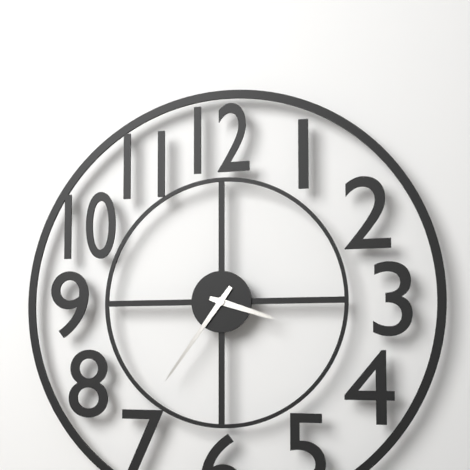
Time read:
h=3 m=36
